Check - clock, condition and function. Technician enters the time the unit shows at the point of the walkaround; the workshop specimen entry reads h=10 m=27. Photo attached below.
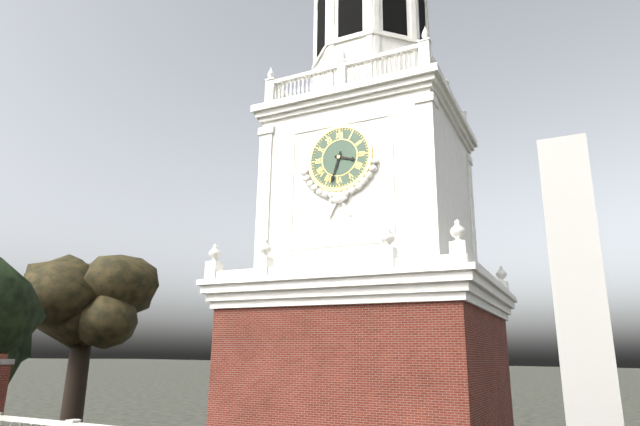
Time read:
h=3 m=33
